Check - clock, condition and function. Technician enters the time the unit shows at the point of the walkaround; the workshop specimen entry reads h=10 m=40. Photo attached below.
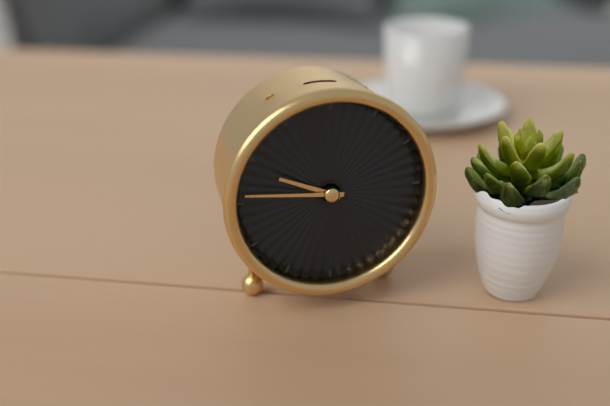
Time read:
h=9 m=46
